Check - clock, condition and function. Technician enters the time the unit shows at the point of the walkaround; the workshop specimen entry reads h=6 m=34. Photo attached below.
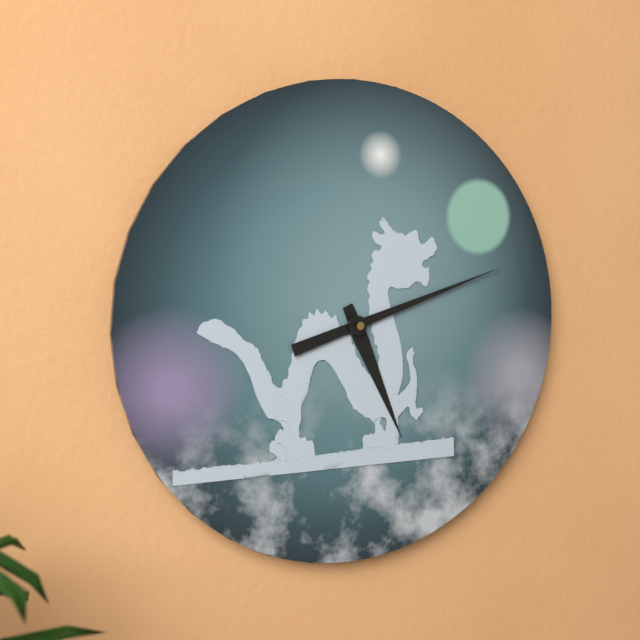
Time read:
h=5 m=12
